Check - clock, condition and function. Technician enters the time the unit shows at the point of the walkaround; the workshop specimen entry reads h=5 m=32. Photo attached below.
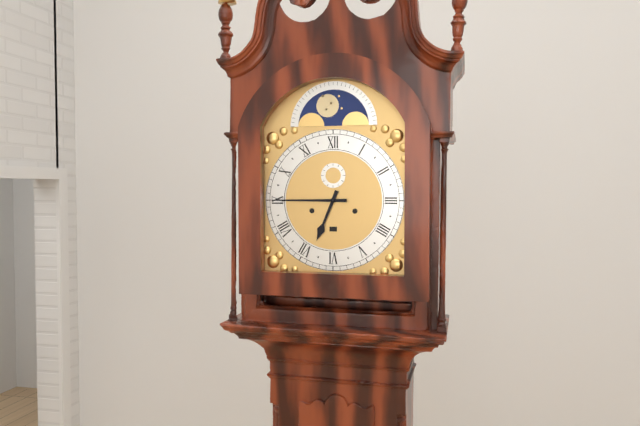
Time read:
h=6 m=45
